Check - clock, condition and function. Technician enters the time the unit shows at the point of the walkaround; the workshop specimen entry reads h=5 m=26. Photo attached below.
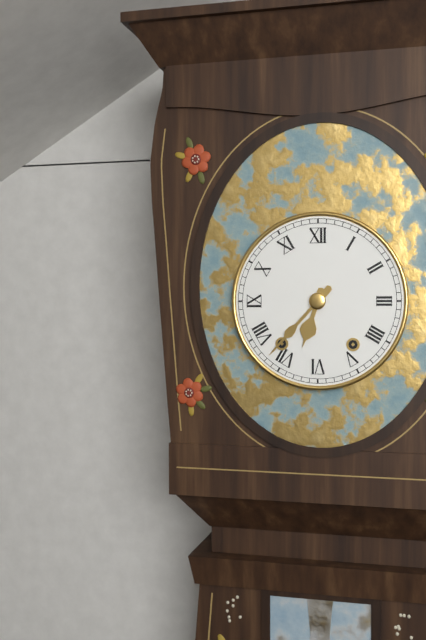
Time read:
h=6 m=37
